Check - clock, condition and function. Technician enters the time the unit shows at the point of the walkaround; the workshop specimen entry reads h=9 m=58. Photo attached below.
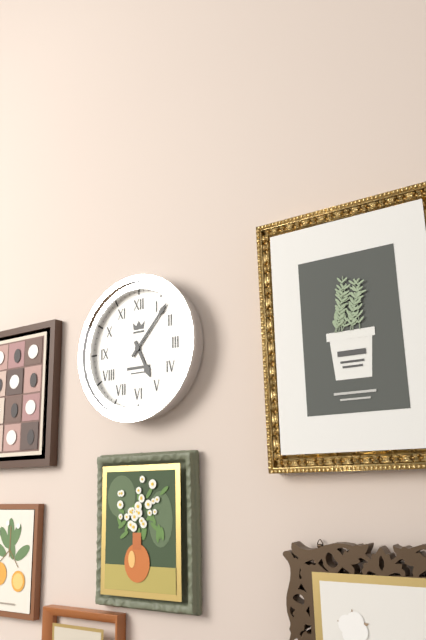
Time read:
h=5 m=7
